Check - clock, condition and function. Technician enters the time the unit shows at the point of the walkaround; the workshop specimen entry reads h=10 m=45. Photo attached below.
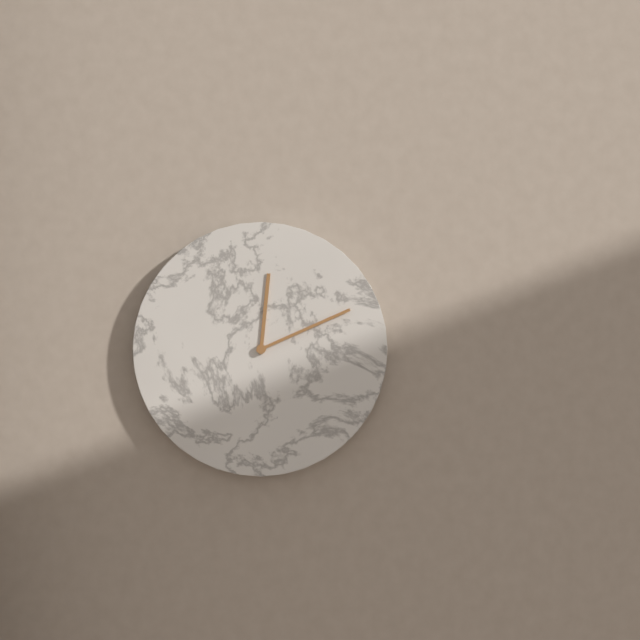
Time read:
h=12 m=11
